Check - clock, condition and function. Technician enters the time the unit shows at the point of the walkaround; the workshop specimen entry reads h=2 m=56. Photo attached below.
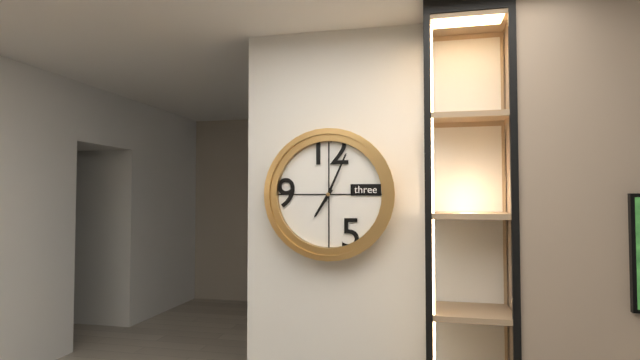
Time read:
h=7 m=4
